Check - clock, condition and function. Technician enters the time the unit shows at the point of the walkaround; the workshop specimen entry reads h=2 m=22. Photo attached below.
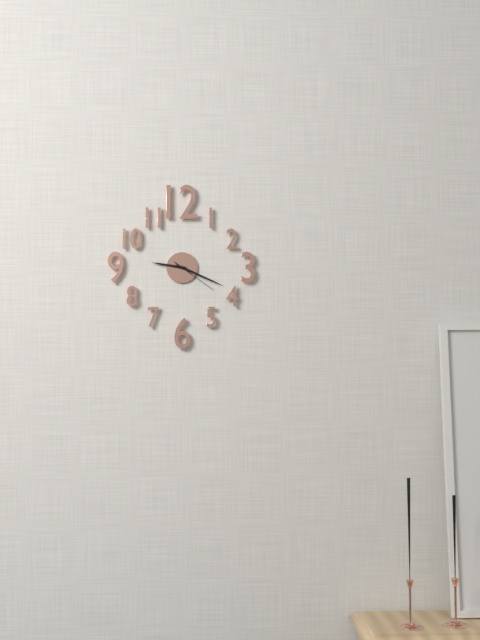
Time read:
h=9 m=19
